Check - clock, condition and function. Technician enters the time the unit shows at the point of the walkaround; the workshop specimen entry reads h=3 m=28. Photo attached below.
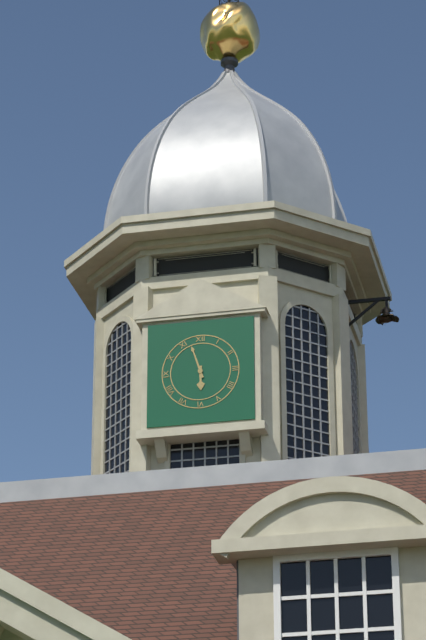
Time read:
h=5 m=57
